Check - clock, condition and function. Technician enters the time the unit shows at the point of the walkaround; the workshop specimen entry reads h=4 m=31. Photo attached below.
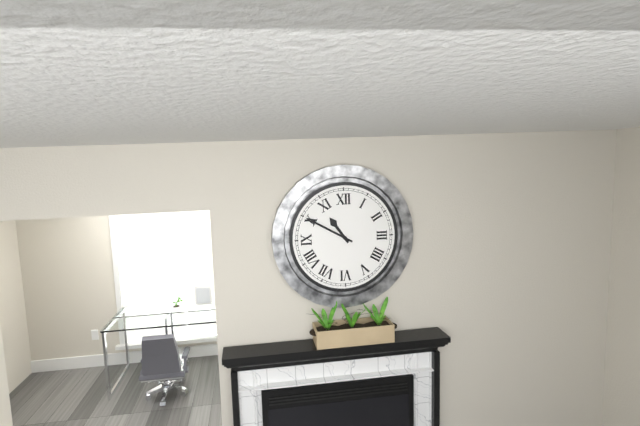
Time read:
h=10 m=50
